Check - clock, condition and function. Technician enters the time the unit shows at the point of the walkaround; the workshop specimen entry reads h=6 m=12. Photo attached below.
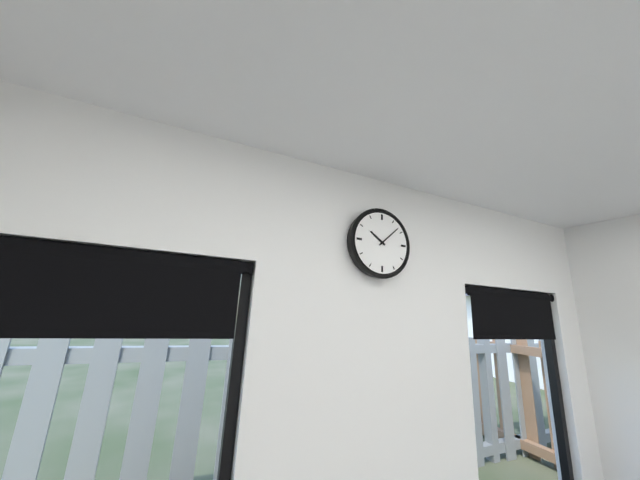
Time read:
h=10 m=8
